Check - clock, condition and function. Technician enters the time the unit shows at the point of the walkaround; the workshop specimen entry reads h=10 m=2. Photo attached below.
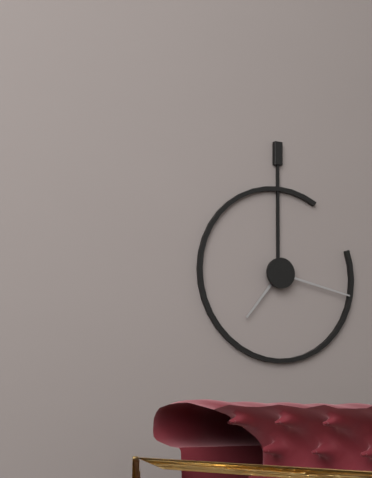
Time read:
h=7 m=17
